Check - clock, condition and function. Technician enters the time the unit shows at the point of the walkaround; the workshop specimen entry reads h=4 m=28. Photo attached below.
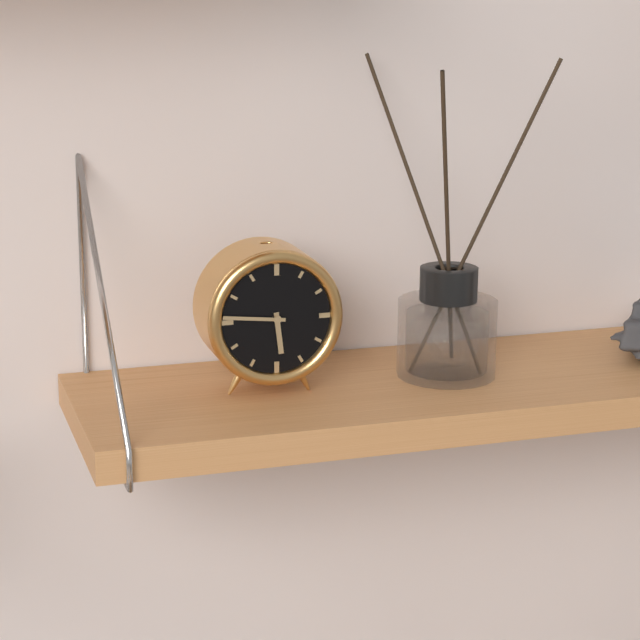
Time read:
h=5 m=46
